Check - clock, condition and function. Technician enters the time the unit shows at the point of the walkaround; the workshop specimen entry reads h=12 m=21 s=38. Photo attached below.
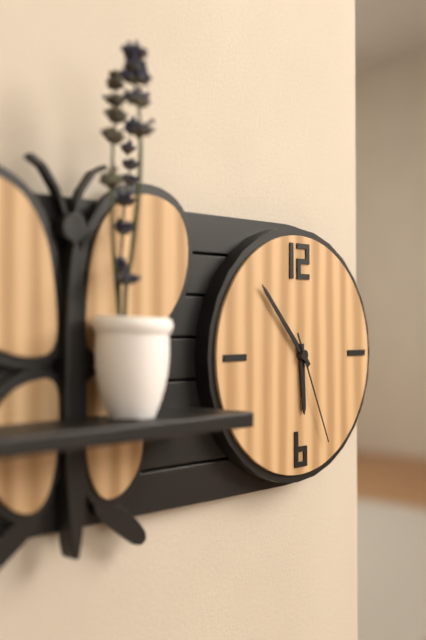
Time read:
h=5 m=53 s=26
